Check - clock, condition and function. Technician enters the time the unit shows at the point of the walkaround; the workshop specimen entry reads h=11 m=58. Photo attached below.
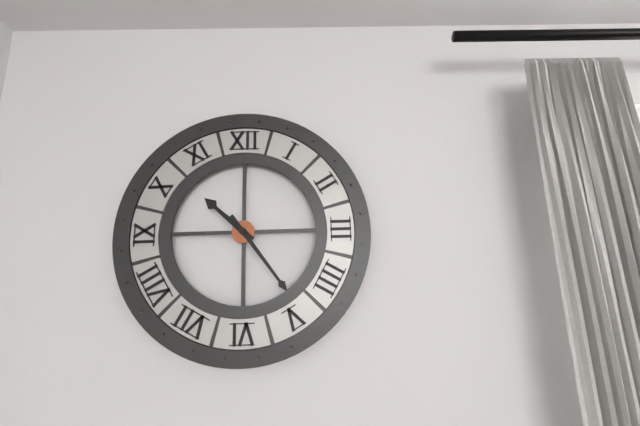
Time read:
h=10 m=24
